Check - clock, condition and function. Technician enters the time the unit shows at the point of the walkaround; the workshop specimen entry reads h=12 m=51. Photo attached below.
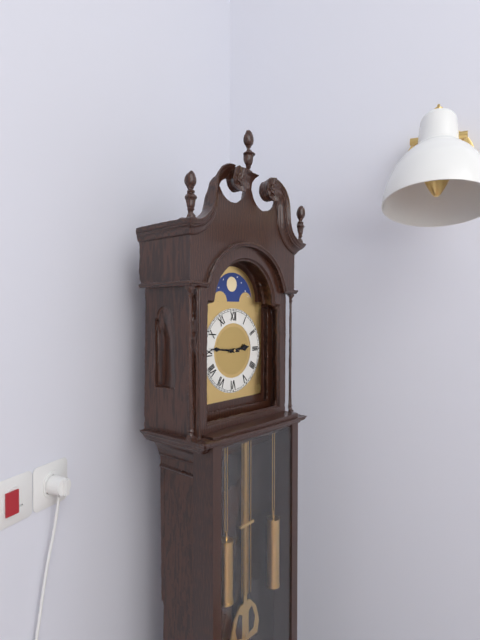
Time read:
h=2 m=46
